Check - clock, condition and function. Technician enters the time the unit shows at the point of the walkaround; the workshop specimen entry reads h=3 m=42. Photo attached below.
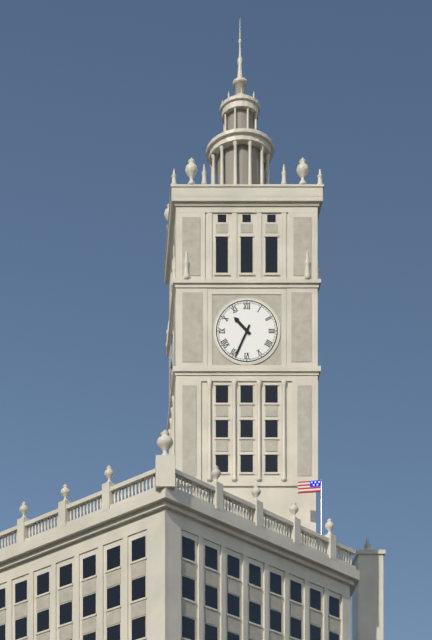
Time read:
h=10 m=34
